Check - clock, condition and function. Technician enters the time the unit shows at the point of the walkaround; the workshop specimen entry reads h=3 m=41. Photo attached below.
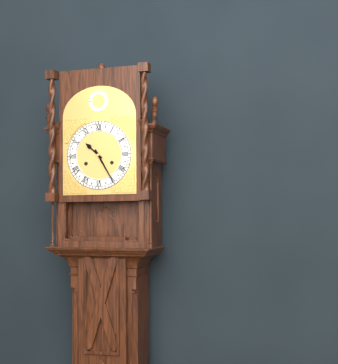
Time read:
h=10 m=25
